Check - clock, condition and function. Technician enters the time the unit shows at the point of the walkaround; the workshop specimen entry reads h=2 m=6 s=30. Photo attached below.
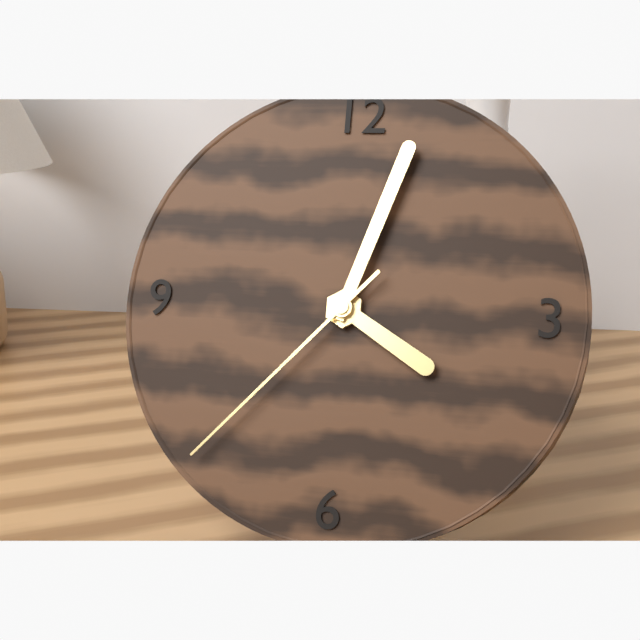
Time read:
h=4 m=3 s=37
